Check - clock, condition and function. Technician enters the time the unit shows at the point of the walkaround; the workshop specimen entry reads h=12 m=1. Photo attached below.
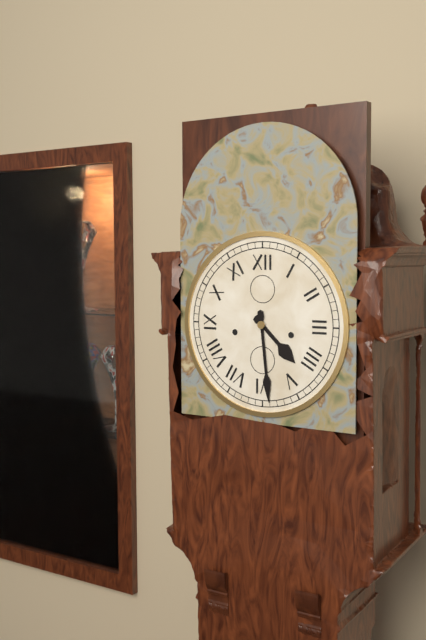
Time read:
h=4 m=29
